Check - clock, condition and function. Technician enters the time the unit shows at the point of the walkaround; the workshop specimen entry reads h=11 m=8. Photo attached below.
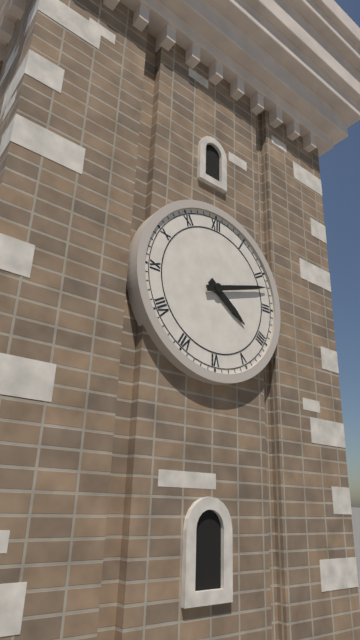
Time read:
h=4 m=12
